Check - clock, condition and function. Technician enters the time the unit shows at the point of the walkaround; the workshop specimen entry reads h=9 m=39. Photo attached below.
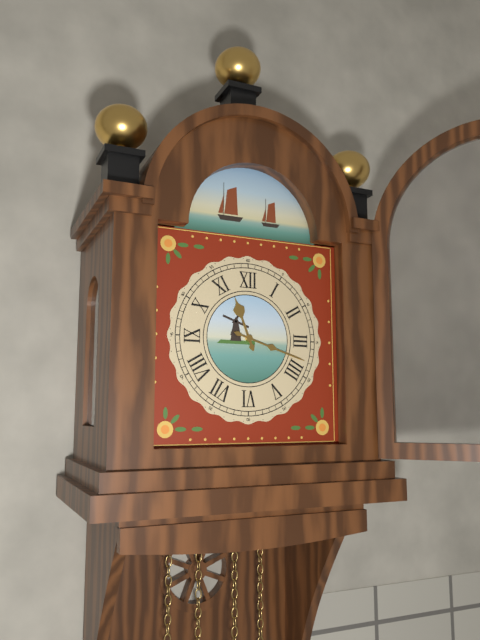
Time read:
h=11 m=18
